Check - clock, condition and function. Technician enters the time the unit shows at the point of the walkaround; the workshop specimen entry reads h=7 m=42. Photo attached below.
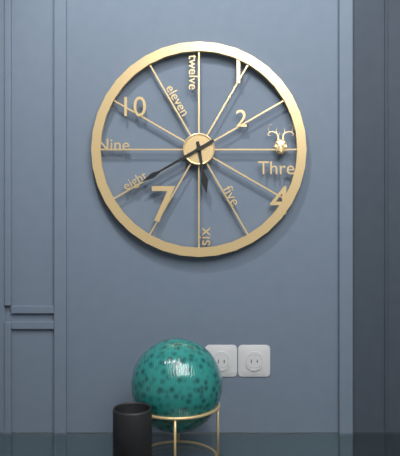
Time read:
h=5 m=40
